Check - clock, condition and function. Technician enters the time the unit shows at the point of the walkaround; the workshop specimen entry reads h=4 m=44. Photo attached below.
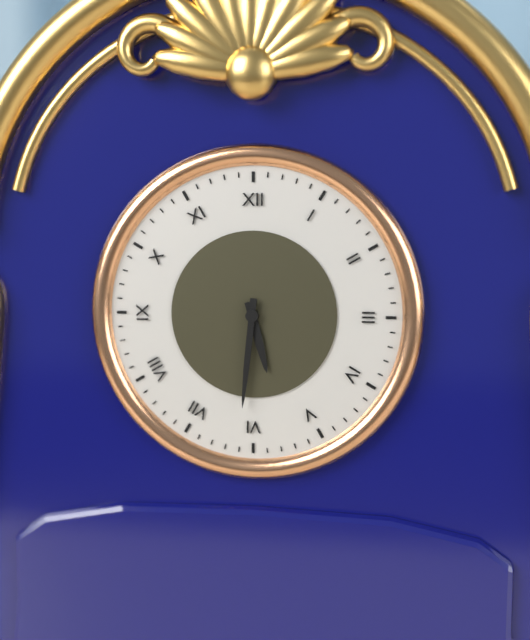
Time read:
h=5 m=31
